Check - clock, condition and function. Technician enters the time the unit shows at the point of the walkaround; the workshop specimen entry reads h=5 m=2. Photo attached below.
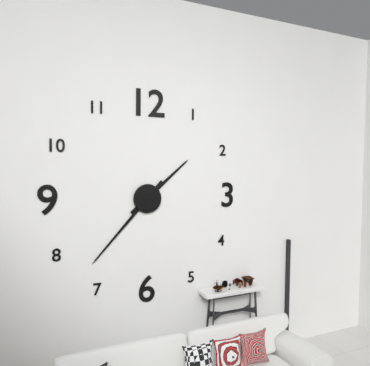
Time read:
h=1 m=37
